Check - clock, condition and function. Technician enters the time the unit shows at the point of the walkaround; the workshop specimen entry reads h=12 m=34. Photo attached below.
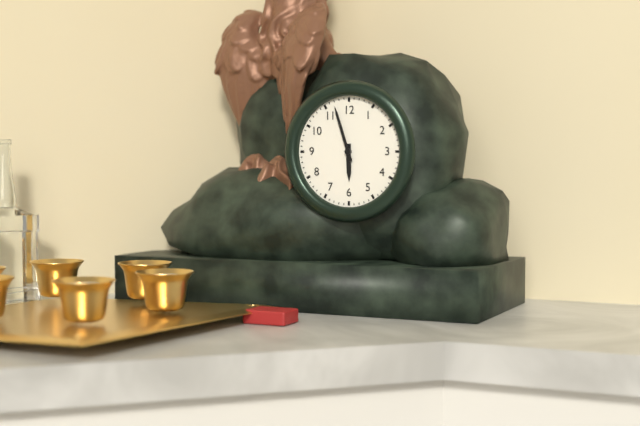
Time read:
h=5 m=57
